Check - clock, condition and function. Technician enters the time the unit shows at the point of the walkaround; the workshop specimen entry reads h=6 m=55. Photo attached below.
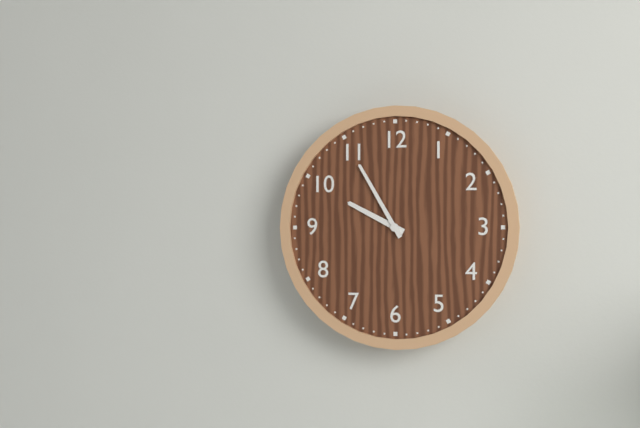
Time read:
h=9 m=55
